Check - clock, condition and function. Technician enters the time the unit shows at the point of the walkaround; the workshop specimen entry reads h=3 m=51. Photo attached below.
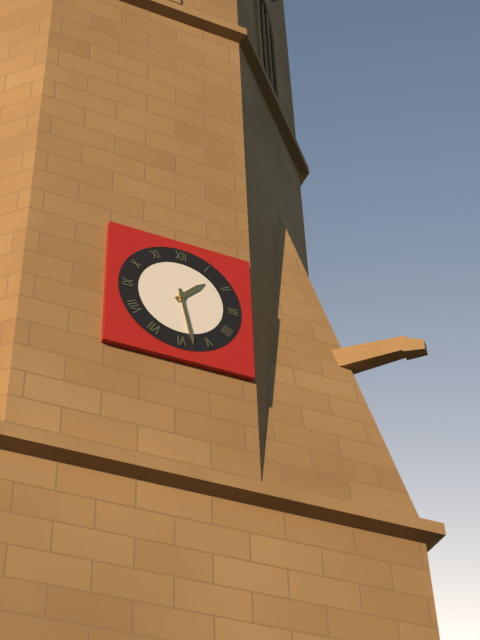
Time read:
h=1 m=28
